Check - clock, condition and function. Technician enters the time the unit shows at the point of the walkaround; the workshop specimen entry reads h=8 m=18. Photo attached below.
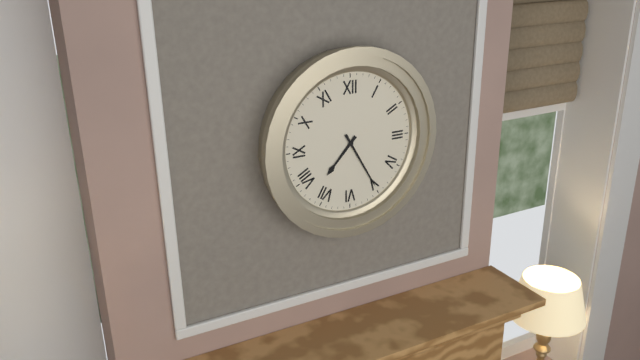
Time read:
h=7 m=25
